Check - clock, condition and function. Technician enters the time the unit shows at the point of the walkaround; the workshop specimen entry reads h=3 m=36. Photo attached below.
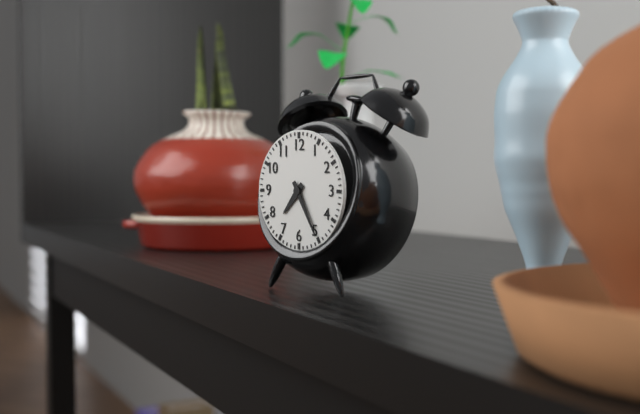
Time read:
h=7 m=25
